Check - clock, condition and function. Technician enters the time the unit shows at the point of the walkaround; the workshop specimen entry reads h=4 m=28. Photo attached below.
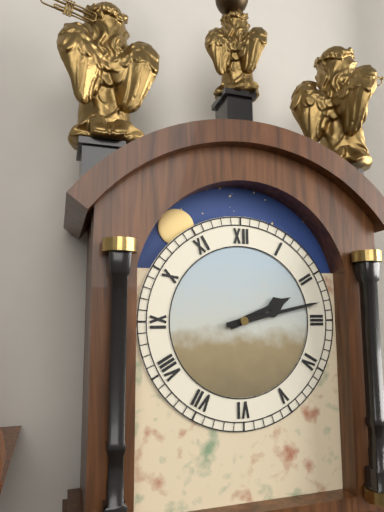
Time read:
h=2 m=13
